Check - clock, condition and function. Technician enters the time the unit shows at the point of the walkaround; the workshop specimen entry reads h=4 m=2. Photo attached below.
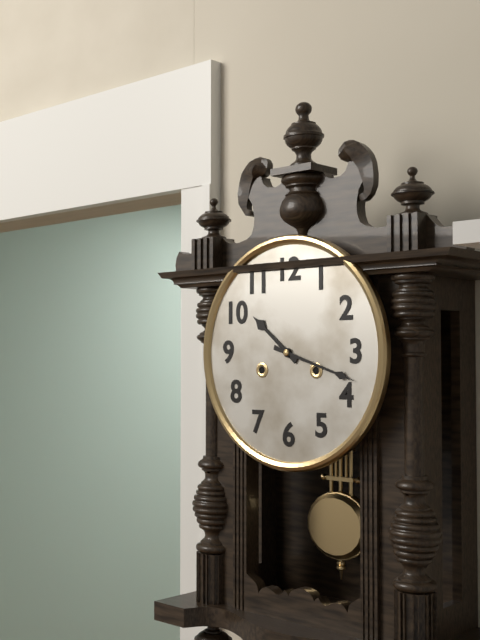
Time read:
h=10 m=18
